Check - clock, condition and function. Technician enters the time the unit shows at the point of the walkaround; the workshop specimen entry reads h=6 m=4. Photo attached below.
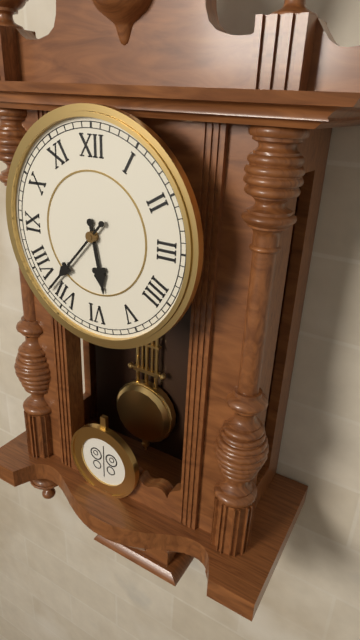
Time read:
h=5 m=37
